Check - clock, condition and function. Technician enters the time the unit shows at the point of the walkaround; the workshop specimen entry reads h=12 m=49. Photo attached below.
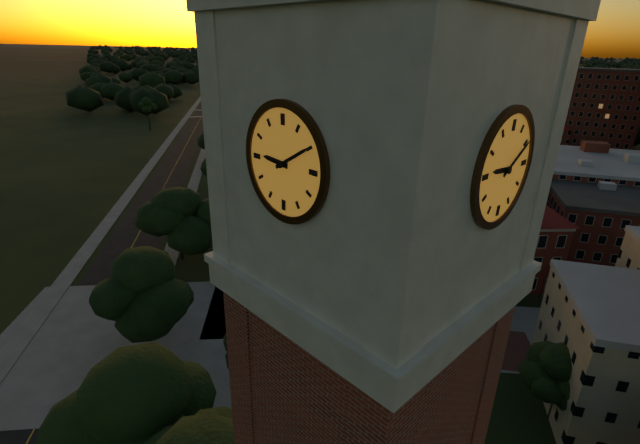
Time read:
h=9 m=10
